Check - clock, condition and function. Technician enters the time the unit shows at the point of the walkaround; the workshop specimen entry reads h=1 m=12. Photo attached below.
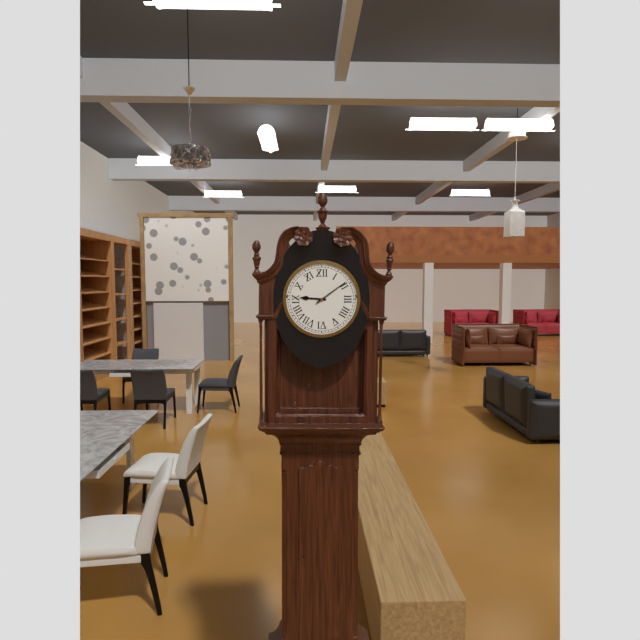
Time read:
h=9 m=9
